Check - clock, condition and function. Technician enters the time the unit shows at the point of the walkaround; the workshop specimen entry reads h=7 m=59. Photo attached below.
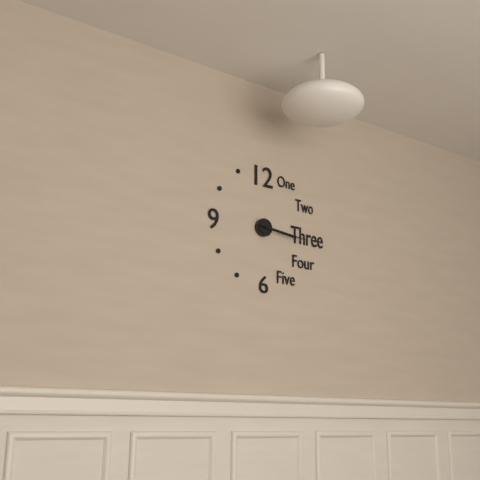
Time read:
h=3 m=16
